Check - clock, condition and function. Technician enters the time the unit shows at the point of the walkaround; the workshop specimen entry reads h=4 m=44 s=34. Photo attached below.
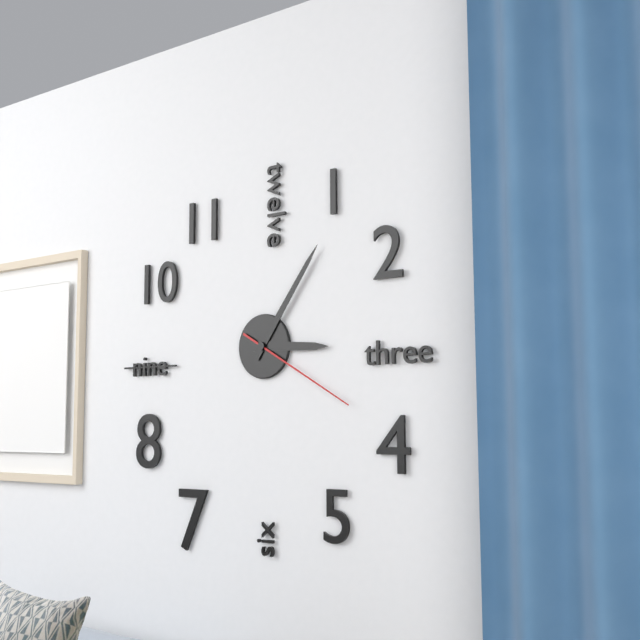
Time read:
h=3 m=6 s=20
